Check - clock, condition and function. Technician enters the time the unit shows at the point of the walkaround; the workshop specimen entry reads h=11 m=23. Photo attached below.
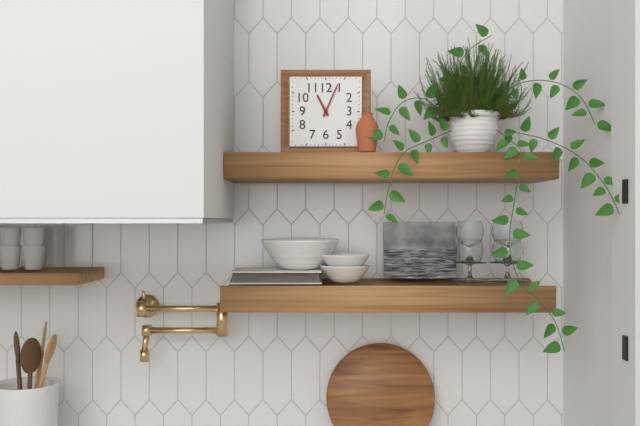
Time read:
h=11 m=4
